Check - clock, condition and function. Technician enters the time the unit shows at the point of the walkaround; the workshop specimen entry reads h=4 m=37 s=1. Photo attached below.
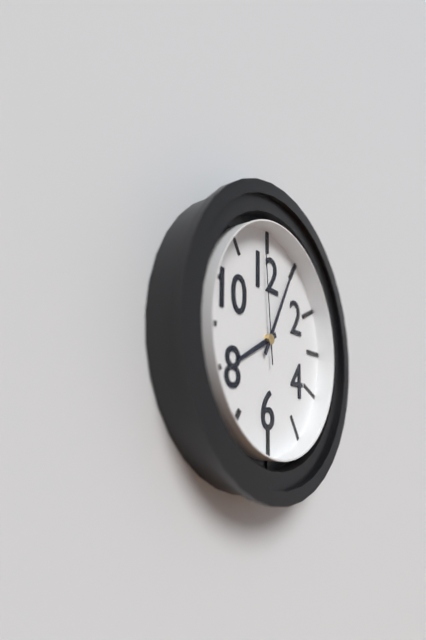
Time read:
h=8 m=5 s=59
